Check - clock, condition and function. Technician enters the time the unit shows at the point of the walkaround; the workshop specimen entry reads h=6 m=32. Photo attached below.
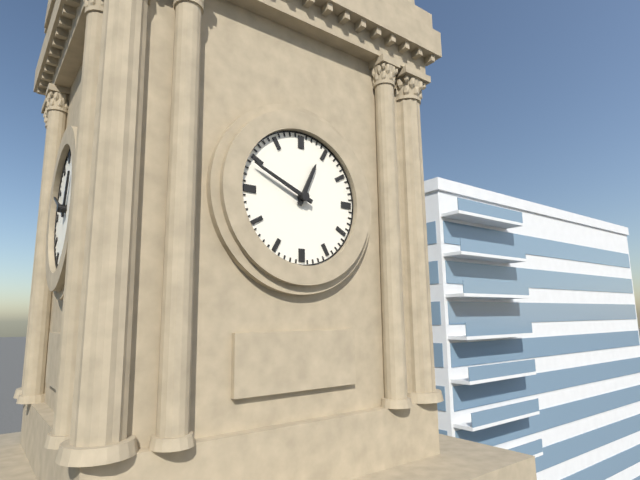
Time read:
h=12 m=49
